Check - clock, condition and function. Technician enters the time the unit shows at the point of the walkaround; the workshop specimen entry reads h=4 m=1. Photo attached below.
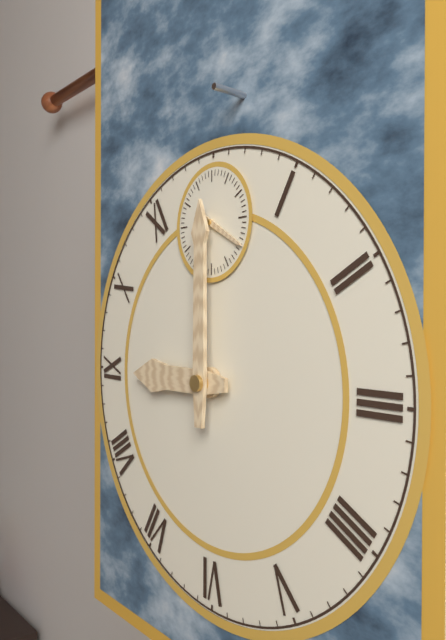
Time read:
h=9 m=0
